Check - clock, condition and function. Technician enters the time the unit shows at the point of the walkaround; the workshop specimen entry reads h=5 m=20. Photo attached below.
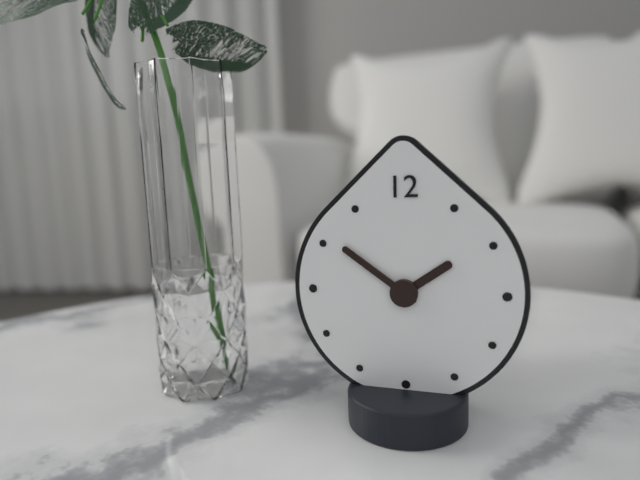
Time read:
h=1 m=51
